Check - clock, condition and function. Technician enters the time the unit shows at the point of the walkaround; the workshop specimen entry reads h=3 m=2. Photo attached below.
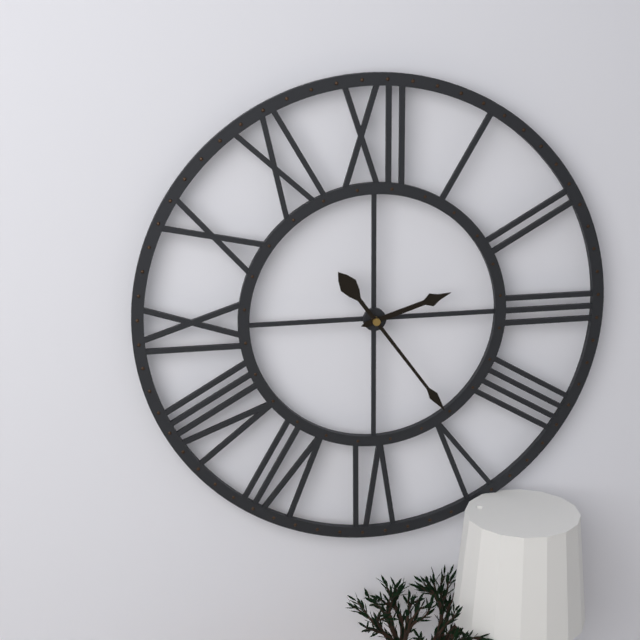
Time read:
h=2 m=24
